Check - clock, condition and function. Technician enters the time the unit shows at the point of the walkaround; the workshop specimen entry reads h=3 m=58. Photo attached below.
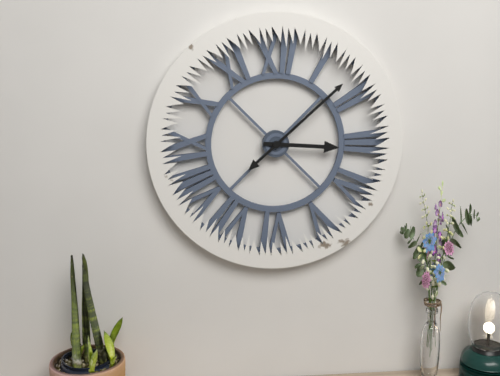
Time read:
h=3 m=8
